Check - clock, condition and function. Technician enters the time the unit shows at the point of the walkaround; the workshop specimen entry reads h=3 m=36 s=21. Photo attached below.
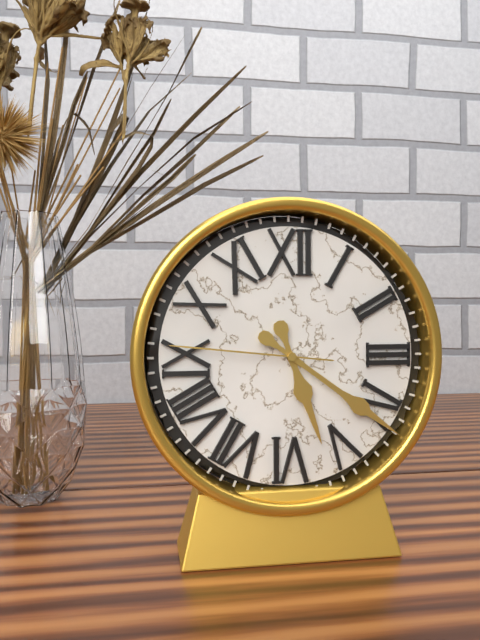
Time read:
h=5 m=21 s=46
